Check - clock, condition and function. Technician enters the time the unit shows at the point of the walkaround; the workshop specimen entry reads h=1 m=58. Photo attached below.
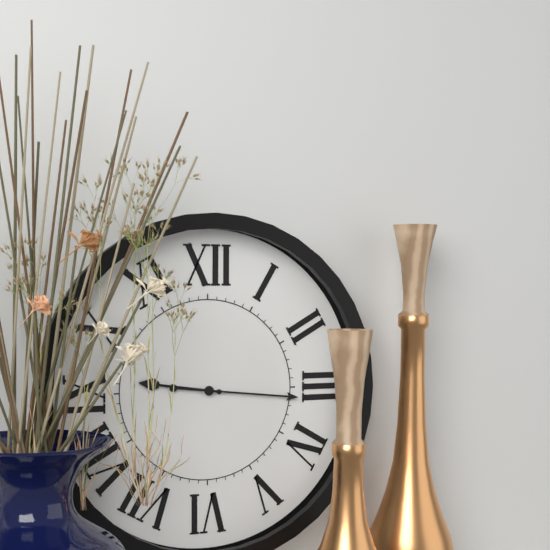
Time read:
h=9 m=16
